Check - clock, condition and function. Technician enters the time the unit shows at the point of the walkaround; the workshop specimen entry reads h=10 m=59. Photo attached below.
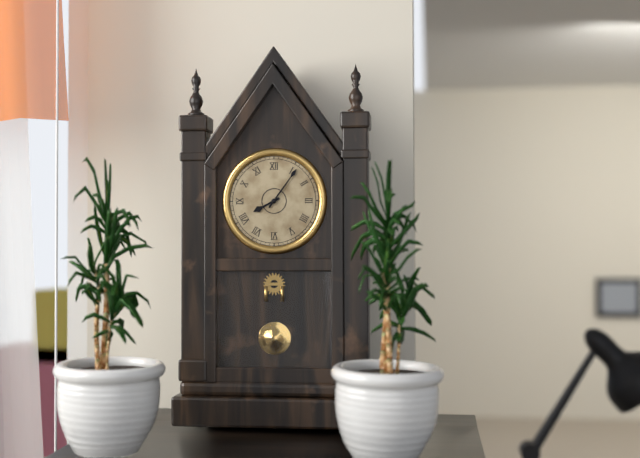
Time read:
h=8 m=6
